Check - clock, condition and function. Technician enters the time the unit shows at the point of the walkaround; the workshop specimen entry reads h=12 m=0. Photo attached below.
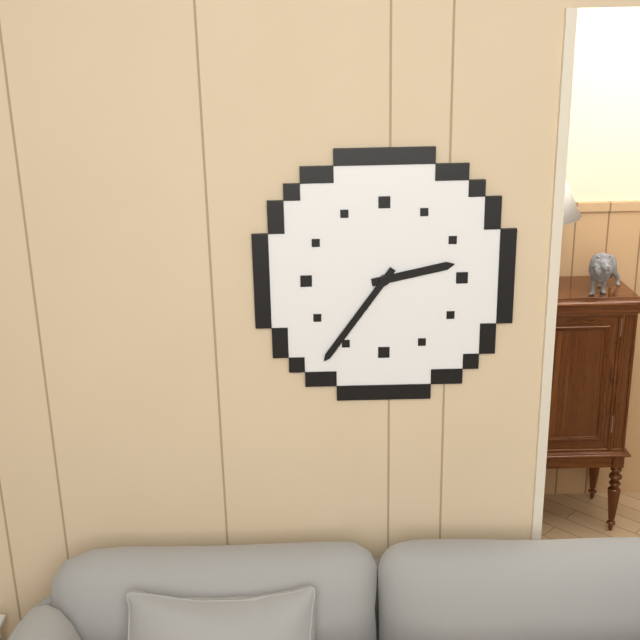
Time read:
h=2 m=36
